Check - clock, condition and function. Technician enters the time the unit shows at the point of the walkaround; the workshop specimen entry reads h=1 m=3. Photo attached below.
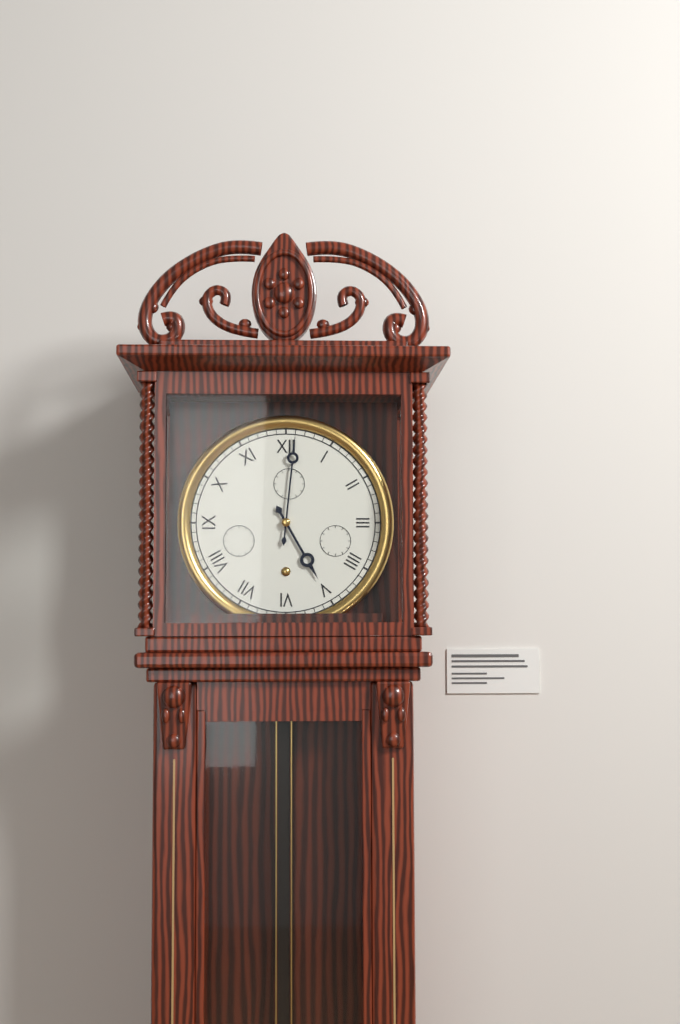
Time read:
h=5 m=1
